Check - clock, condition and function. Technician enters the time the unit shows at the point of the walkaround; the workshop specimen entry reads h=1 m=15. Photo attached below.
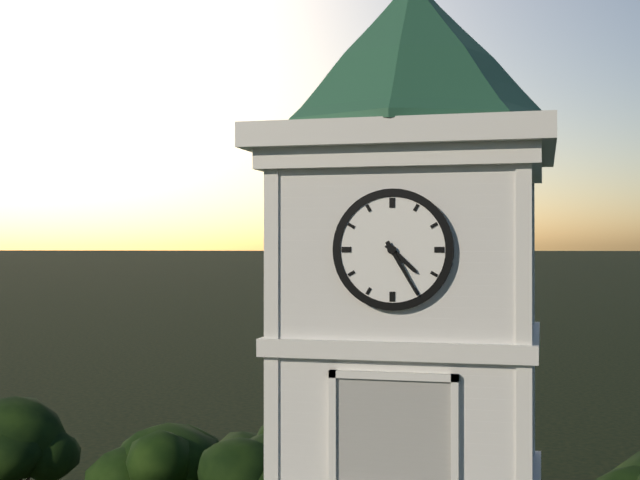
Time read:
h=4 m=25
